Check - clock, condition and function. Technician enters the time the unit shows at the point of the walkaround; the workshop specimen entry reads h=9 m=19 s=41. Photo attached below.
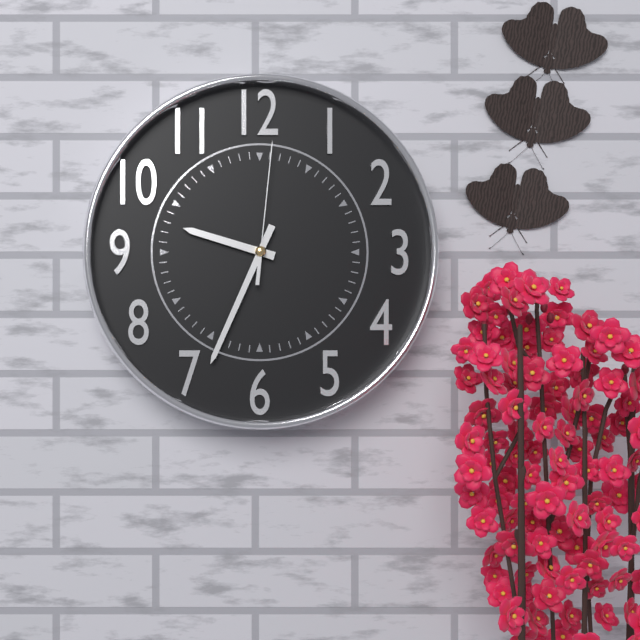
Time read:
h=9 m=34 s=1
